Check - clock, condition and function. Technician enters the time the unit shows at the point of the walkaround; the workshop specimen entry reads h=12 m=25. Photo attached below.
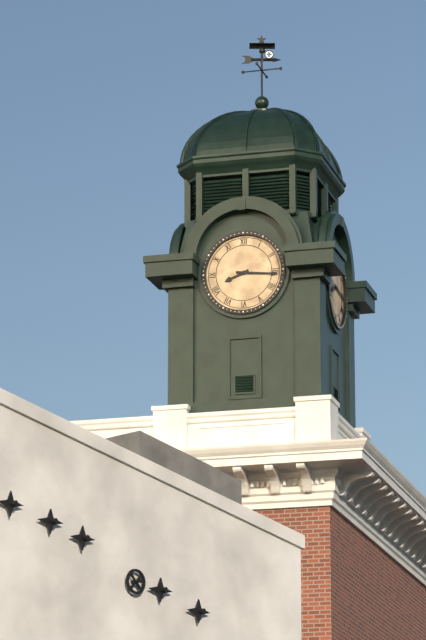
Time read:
h=8 m=16
